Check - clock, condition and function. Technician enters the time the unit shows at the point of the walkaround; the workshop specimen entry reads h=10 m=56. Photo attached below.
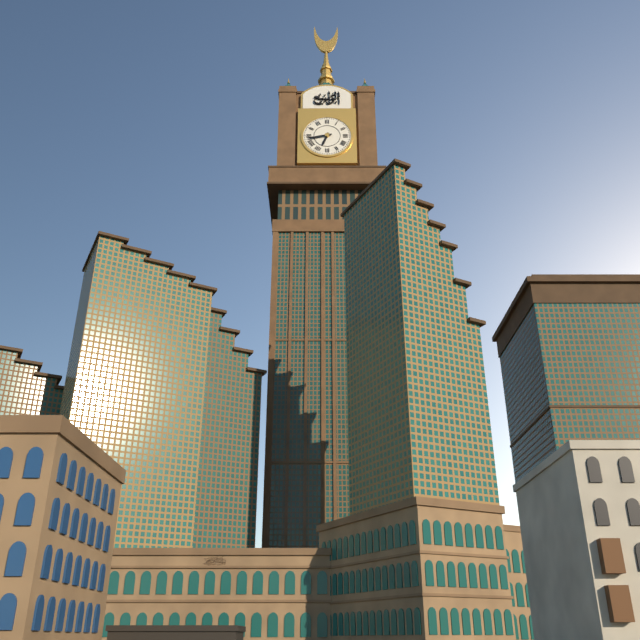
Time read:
h=6 m=43
